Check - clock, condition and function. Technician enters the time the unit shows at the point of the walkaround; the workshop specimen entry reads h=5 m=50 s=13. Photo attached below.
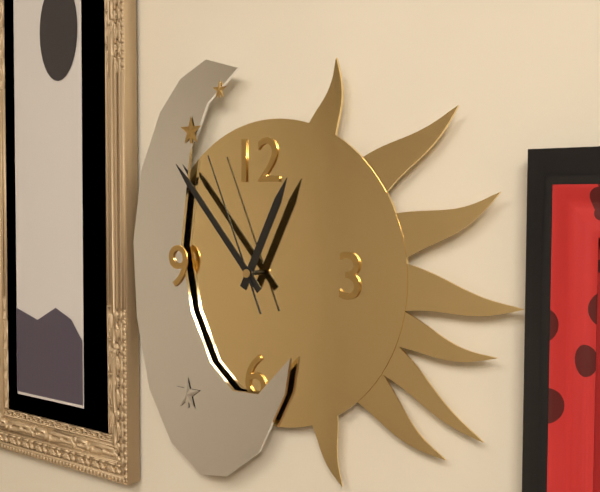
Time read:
h=12 m=53 s=56
